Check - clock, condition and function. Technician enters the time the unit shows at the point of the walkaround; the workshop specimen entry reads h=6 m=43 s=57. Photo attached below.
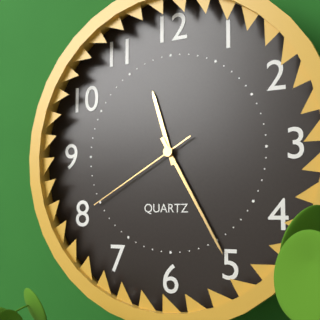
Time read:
h=11 m=25 s=40
